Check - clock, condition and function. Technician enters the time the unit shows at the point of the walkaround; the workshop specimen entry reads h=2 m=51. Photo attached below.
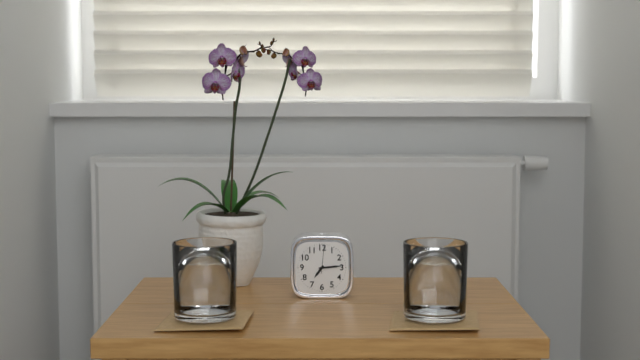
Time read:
h=7 m=14
